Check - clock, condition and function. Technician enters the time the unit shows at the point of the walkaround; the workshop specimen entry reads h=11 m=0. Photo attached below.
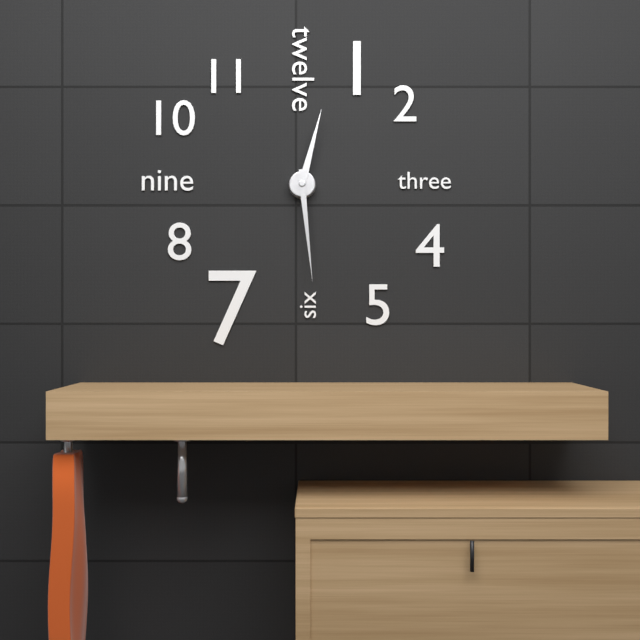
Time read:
h=12 m=29
